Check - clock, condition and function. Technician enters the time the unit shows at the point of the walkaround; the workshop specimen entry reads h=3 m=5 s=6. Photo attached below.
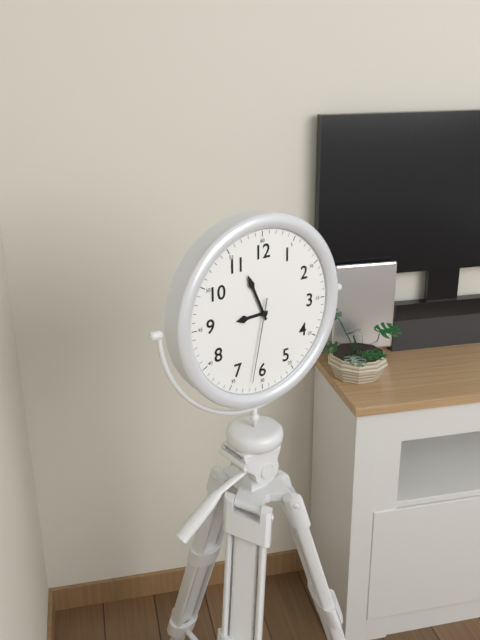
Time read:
h=8 m=56 s=32
